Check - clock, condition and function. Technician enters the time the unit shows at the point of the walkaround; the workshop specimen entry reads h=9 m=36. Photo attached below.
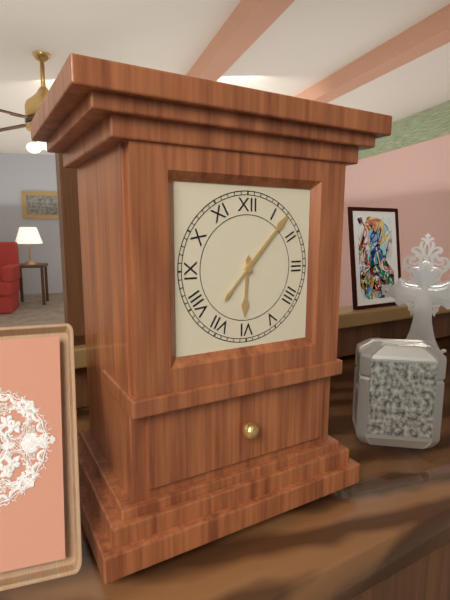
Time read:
h=6 m=7
